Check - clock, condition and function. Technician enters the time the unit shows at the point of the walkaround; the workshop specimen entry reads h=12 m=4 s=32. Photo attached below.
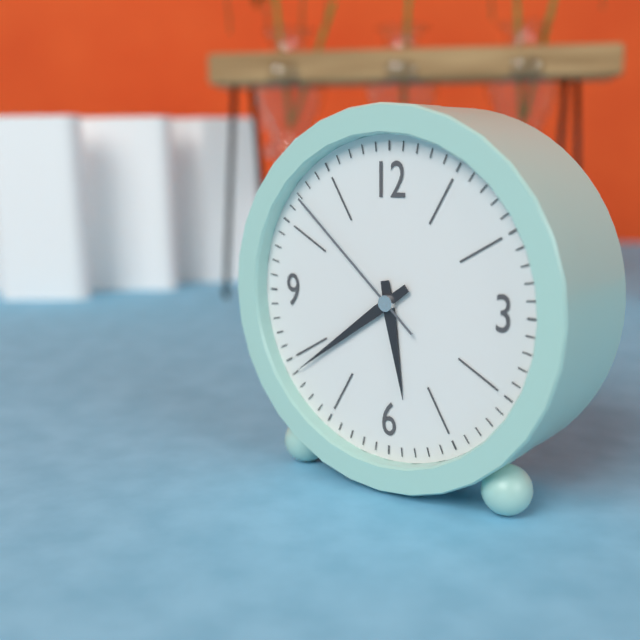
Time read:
h=5 m=39 s=52
